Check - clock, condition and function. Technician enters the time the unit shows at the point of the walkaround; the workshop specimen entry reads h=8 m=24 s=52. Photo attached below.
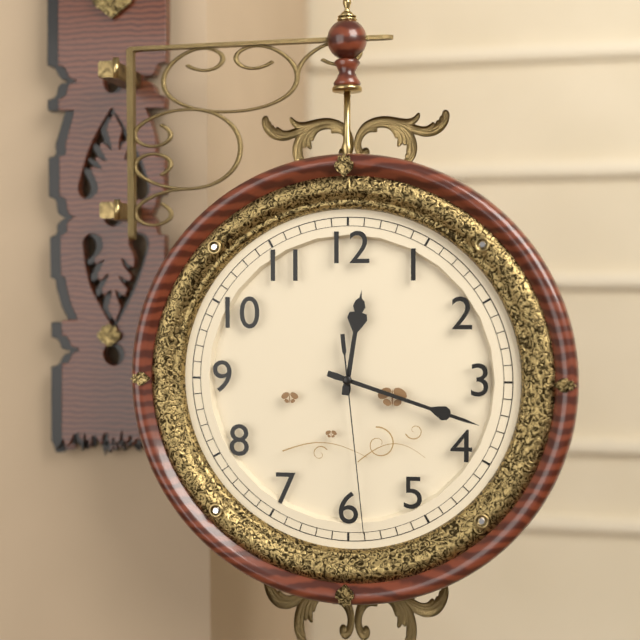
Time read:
h=12 m=18 s=29
